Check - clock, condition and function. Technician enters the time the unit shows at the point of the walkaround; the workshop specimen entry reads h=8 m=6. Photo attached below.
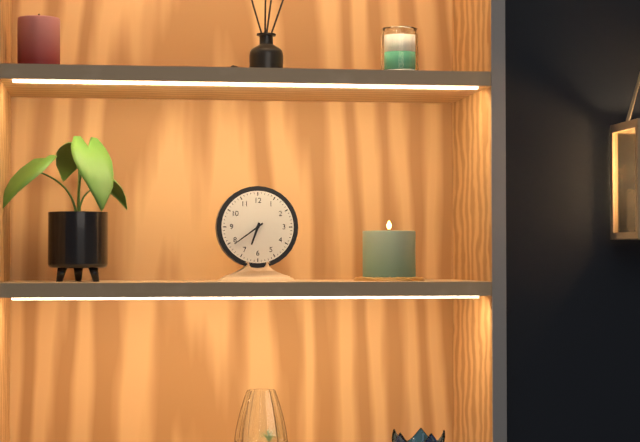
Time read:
h=6 m=39
